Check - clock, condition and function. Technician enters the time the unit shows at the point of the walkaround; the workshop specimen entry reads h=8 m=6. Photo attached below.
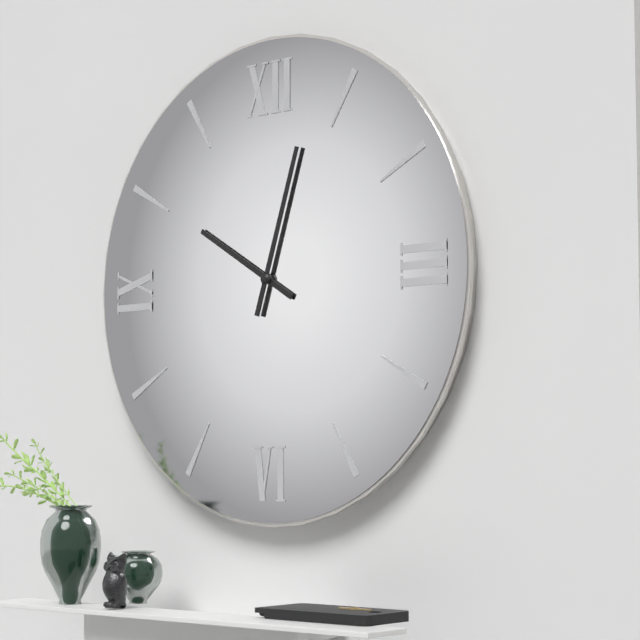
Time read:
h=10 m=3
